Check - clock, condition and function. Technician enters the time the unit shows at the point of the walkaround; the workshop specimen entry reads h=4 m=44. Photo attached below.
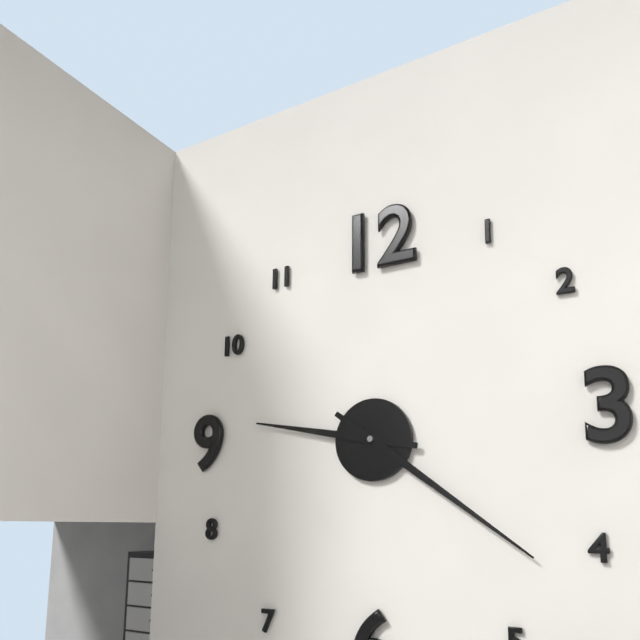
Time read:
h=9 m=21
